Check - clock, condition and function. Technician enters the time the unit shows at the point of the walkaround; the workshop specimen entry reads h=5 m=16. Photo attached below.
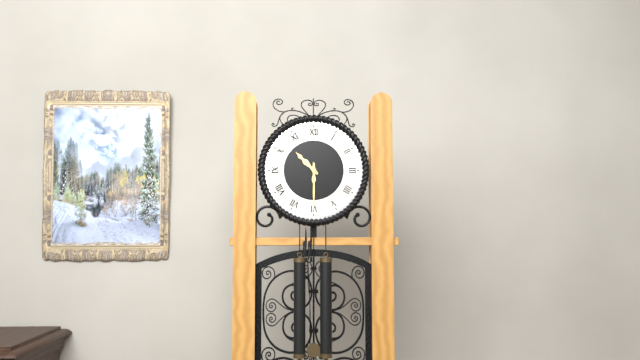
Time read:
h=10 m=30
